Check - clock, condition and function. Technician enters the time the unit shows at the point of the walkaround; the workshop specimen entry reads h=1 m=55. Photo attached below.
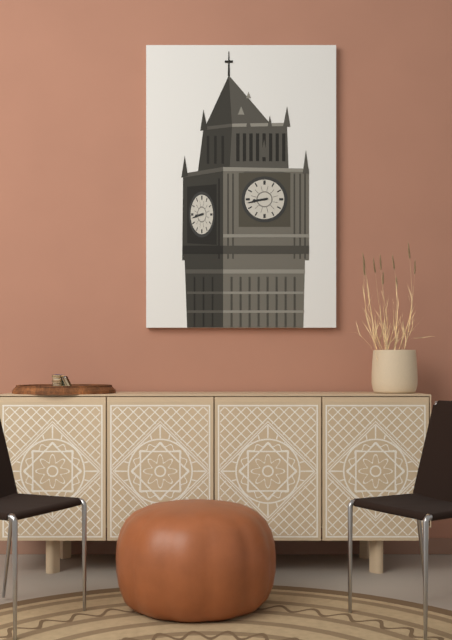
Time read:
h=8 m=43
